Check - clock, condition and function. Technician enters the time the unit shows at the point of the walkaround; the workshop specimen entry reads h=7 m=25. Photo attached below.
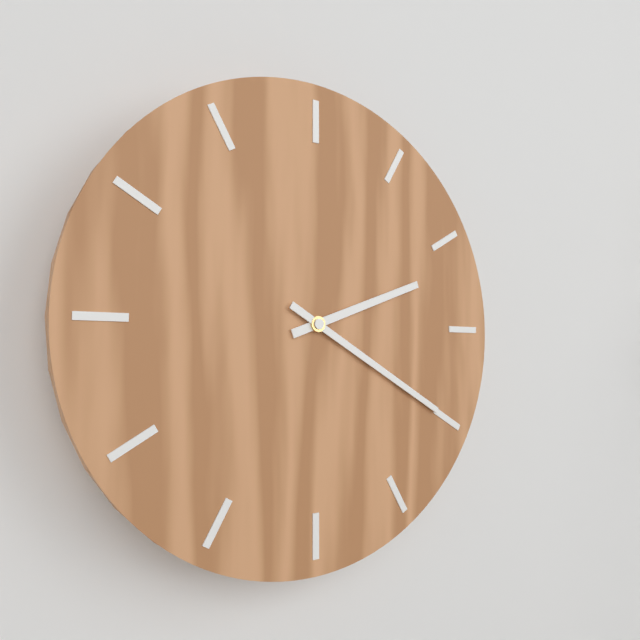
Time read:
h=2 m=20
